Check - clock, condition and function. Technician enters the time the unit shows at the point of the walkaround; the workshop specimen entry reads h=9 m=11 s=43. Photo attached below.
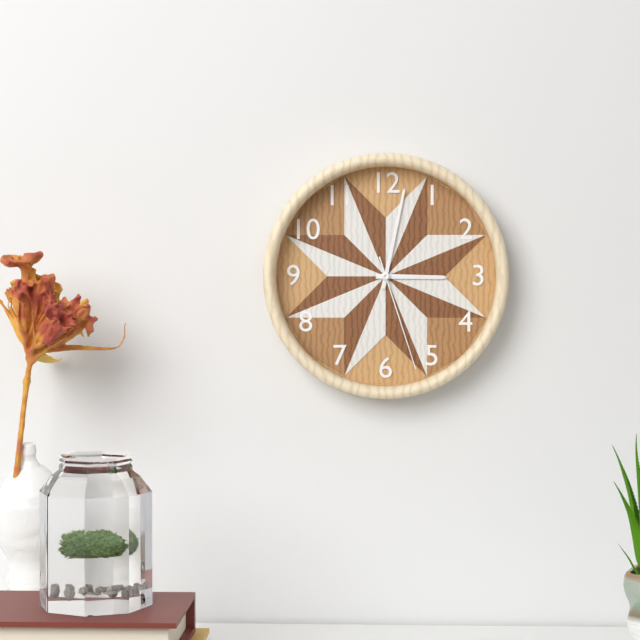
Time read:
h=3 m=2 s=27
